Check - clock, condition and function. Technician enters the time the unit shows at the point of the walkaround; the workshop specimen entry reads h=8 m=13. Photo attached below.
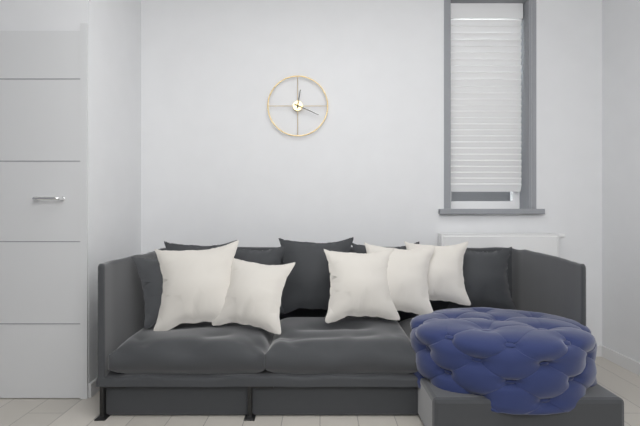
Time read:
h=12 m=19
